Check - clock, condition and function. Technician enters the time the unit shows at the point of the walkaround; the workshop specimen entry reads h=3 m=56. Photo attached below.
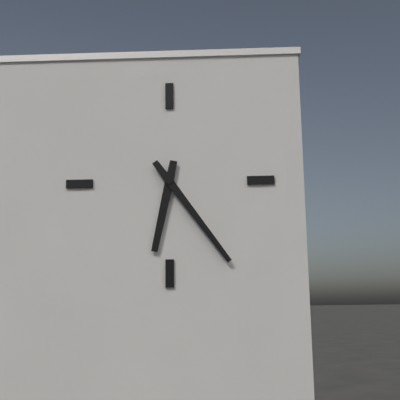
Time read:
h=6 m=24
